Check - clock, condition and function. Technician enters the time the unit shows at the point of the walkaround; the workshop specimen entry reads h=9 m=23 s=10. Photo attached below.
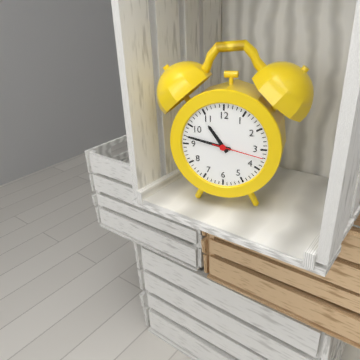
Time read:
h=10 m=47 s=17
